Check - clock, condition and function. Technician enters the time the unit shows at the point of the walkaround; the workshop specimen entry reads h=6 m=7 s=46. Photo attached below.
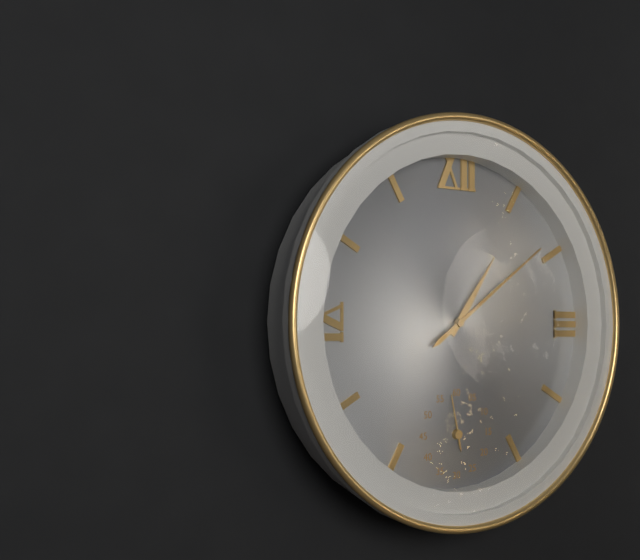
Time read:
h=1 m=9 s=58
